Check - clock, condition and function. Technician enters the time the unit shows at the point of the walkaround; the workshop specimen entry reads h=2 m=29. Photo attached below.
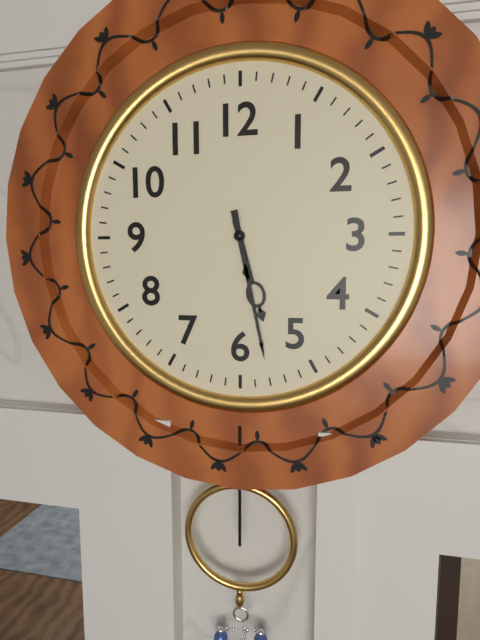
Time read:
h=5 m=28
